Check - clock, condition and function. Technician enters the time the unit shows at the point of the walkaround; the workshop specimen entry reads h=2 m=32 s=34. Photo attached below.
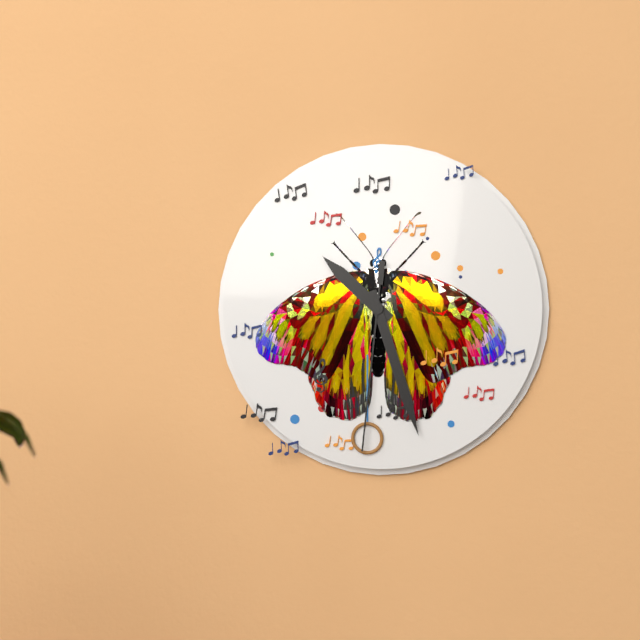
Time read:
h=10 m=27 s=31
